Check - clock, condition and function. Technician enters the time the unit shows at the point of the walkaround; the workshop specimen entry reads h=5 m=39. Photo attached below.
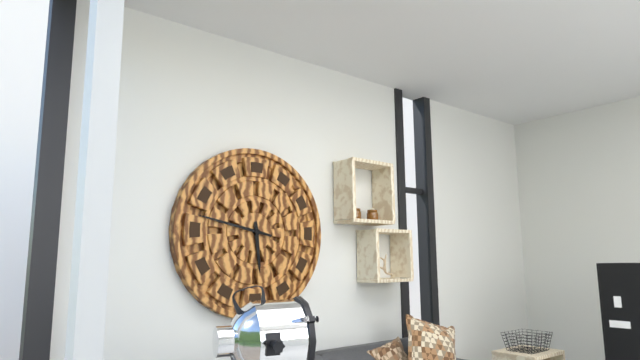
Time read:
h=5 m=47
